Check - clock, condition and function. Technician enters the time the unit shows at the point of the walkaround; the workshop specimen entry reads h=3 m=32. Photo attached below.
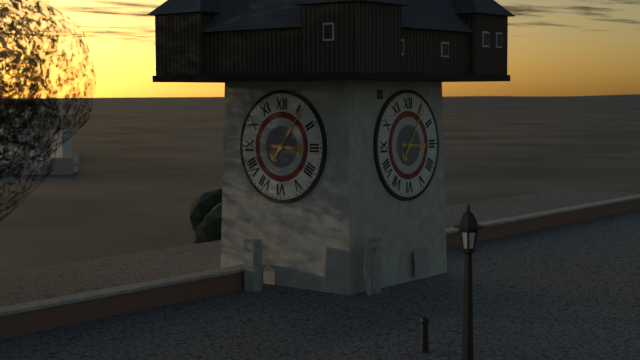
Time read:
h=3 m=6
